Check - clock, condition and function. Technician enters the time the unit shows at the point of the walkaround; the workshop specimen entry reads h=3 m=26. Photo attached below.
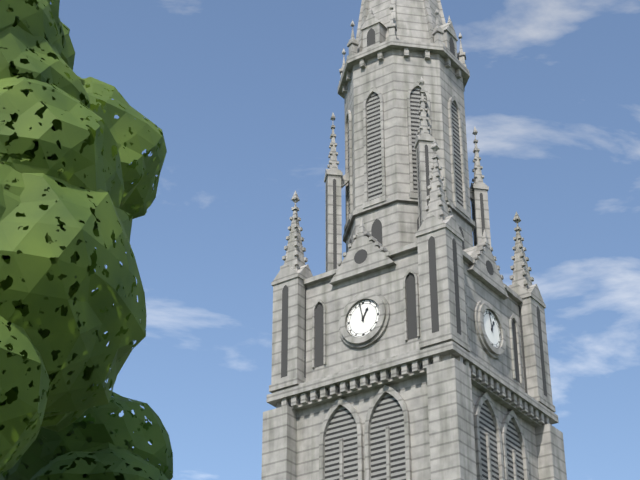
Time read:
h=12 m=58
